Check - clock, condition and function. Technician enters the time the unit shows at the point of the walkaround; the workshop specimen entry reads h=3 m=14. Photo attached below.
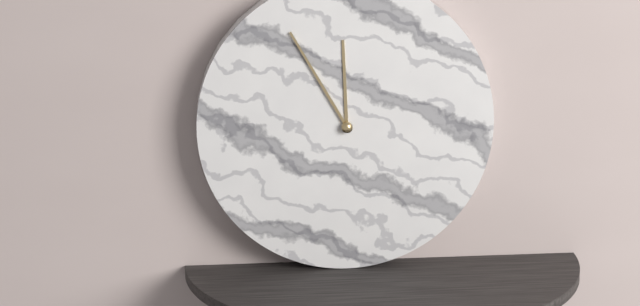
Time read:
h=11 m=55
